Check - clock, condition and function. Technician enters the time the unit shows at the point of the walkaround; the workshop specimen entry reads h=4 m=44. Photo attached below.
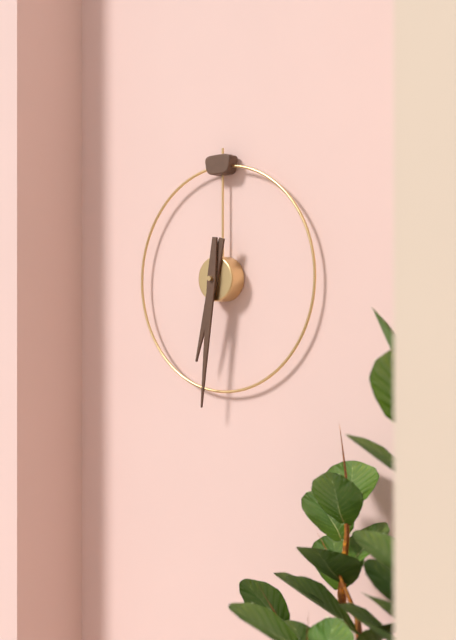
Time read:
h=6 m=31
